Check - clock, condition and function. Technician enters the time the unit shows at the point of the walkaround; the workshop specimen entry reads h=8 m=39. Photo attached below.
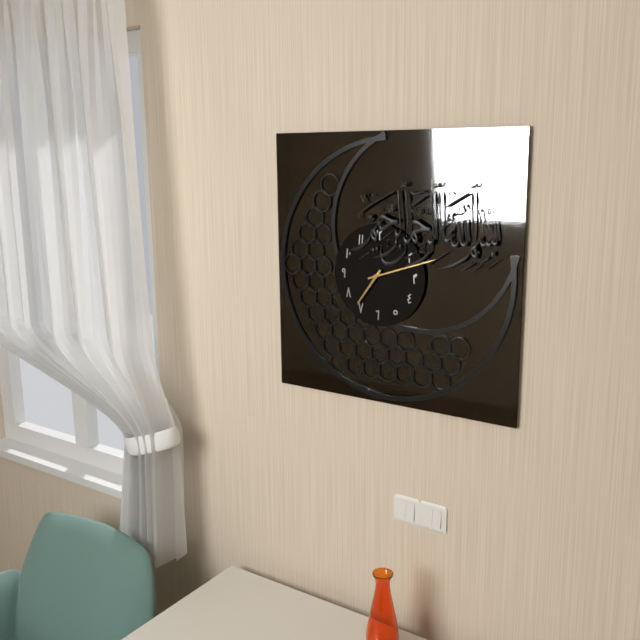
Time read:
h=7 m=12
